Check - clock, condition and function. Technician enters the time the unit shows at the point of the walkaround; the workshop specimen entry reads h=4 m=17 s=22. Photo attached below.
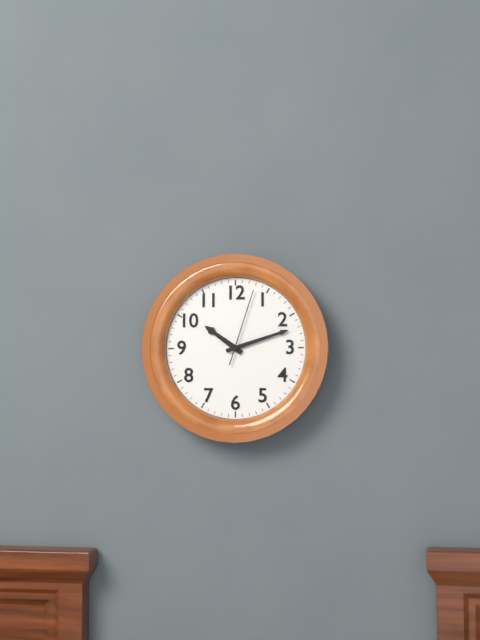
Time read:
h=10 m=12 s=3
